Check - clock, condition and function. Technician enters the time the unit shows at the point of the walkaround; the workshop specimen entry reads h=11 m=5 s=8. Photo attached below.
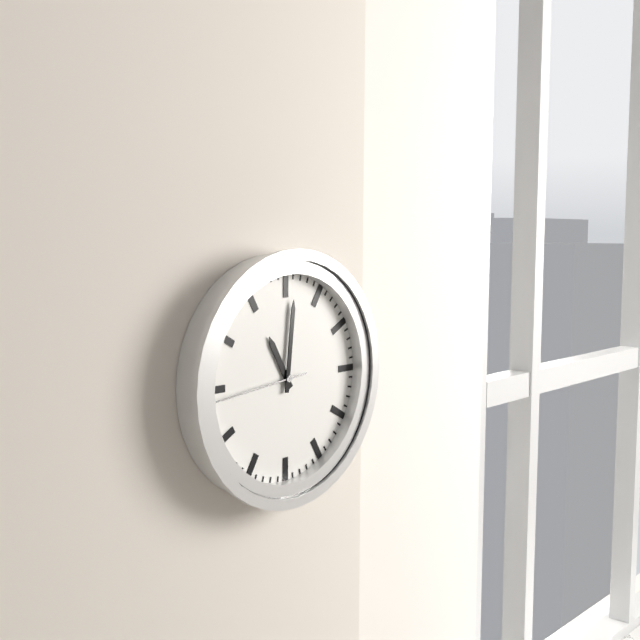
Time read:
h=11 m=1 s=44
